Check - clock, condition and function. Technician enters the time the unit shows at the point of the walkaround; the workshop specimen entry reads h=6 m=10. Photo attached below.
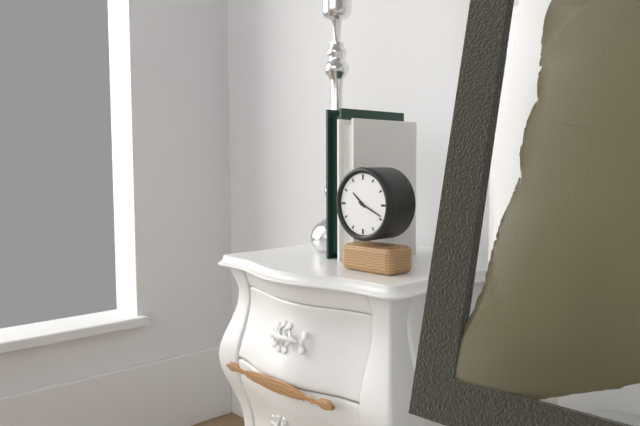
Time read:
h=10 m=19
